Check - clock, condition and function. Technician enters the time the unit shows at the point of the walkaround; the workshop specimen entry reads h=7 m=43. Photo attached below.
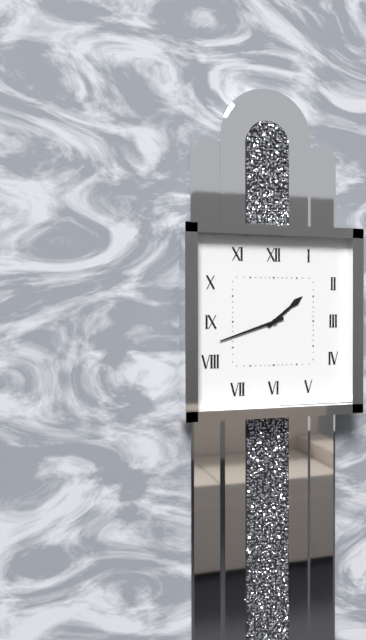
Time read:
h=1 m=42
